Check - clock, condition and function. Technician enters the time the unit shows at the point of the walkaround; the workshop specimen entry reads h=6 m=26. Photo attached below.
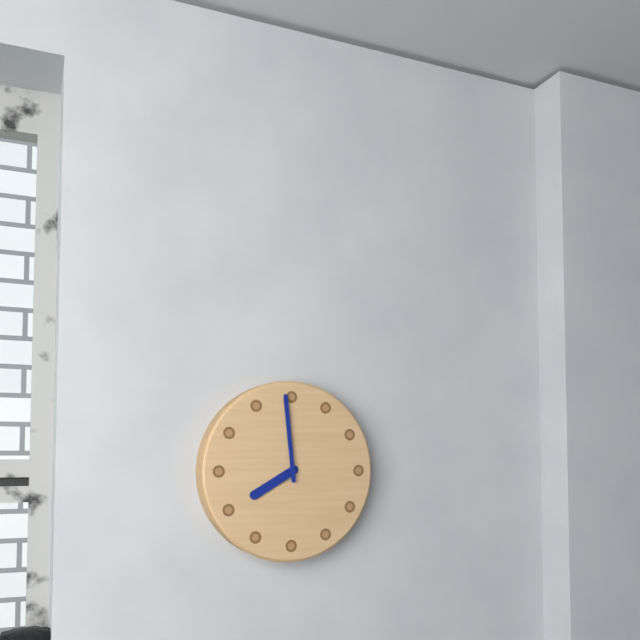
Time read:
h=7 m=59
